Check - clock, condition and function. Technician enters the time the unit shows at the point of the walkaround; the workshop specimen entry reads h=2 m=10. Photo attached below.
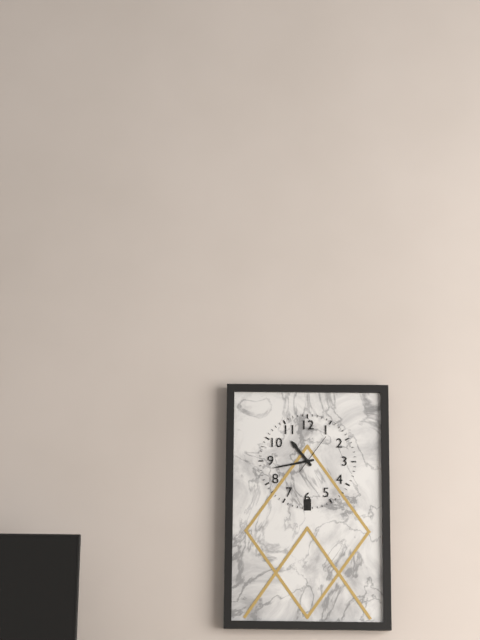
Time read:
h=10 m=43
